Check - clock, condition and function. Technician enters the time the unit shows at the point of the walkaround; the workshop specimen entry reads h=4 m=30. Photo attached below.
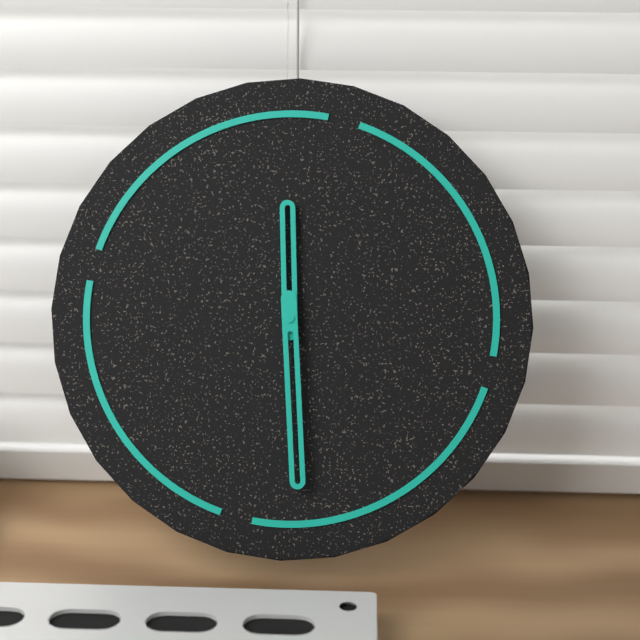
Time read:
h=11 m=27
